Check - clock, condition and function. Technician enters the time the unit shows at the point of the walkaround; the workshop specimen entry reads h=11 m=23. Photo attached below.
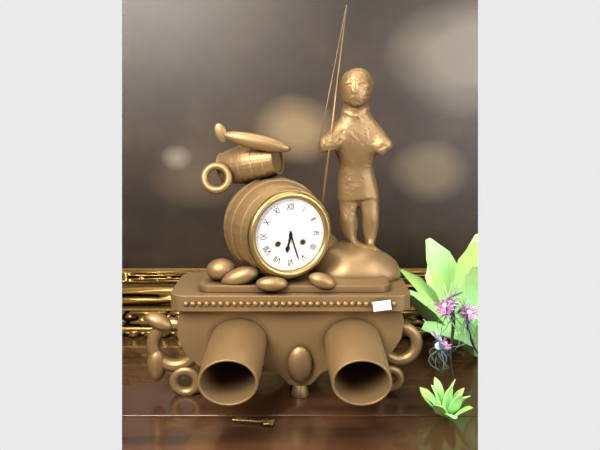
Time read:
h=6 m=27
